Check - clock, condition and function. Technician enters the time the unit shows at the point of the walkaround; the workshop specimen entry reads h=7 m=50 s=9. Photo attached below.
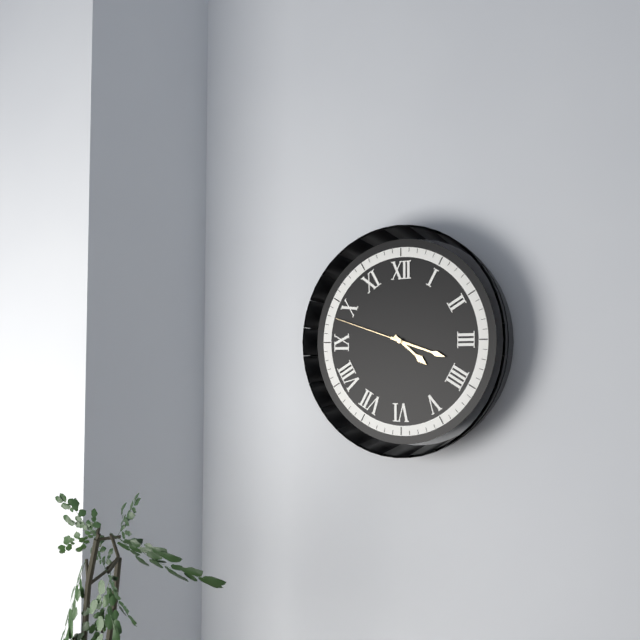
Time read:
h=4 m=18 s=48
